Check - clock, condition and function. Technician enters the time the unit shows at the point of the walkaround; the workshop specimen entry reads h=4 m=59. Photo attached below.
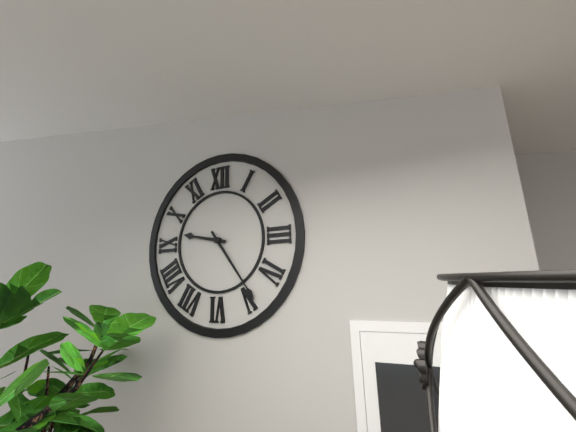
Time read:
h=9 m=24
